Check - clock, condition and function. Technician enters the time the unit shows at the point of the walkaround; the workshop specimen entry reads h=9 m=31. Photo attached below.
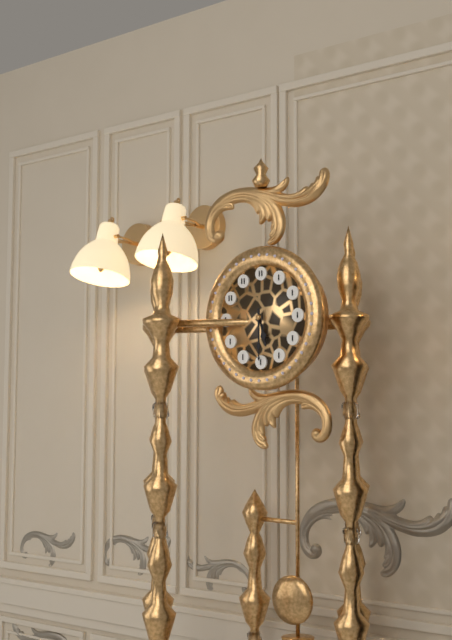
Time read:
h=5 m=30
